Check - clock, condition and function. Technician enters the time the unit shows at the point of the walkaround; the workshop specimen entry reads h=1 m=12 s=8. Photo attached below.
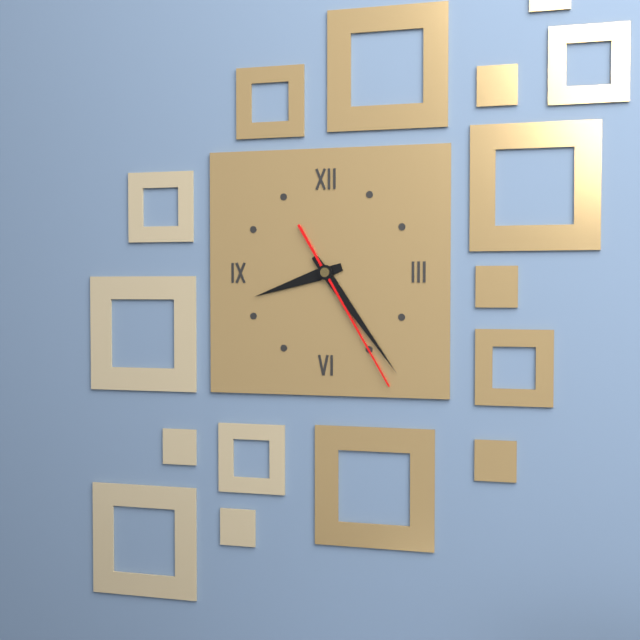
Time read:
h=8 m=24 s=25
